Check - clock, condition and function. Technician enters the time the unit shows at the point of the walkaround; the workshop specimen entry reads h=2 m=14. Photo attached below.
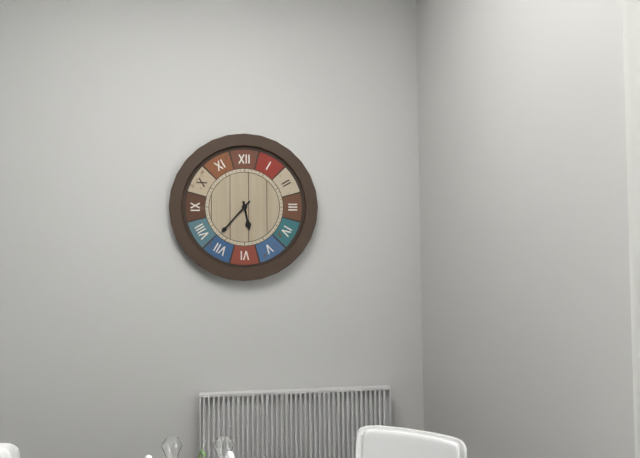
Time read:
h=5 m=37
